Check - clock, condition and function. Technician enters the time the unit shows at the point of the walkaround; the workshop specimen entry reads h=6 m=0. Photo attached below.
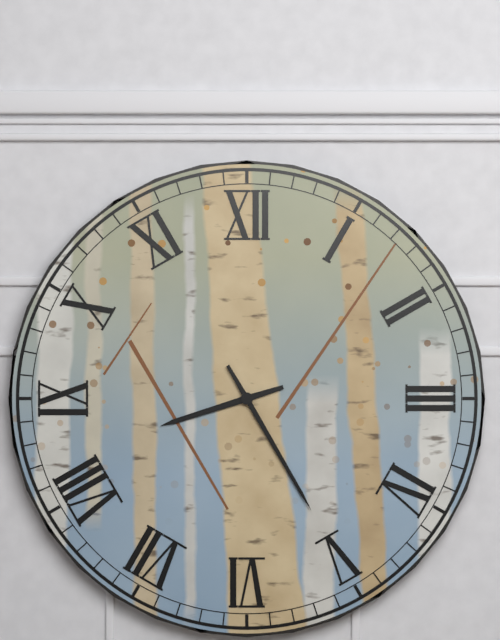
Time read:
h=8 m=25
